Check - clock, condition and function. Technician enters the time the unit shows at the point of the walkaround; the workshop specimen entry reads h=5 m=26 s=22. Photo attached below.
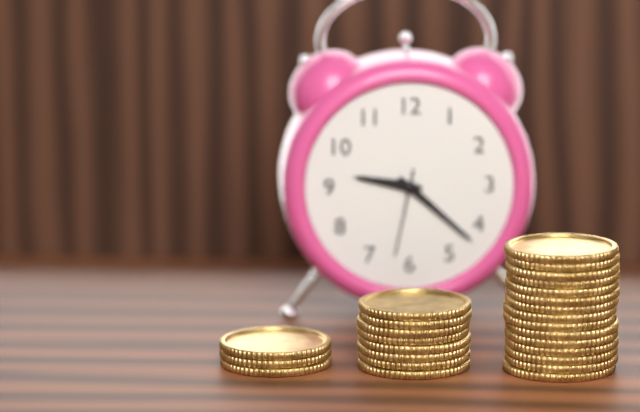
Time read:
h=9 m=22 s=32
